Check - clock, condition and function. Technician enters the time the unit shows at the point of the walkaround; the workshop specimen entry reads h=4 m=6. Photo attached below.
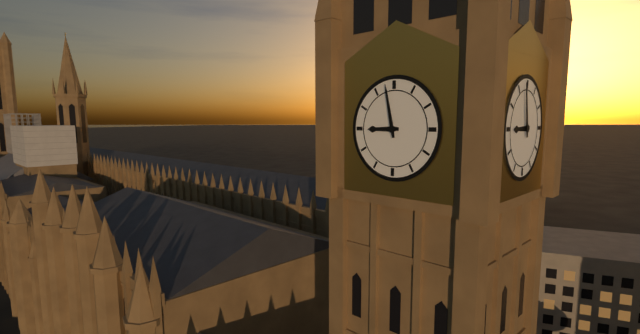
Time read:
h=8 m=58
